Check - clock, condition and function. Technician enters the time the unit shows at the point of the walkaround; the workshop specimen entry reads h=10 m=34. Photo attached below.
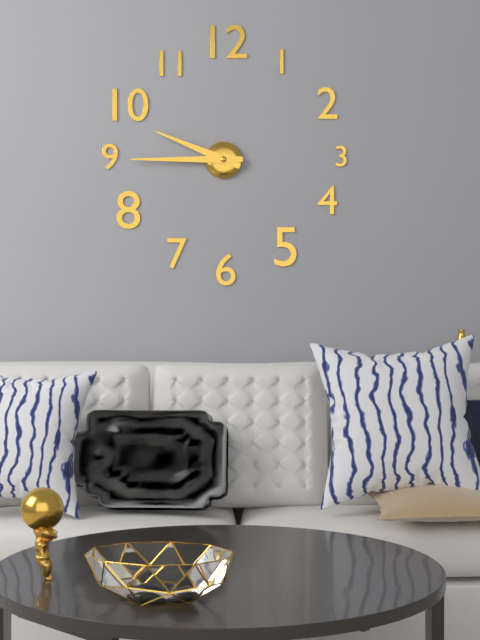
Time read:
h=9 m=45
